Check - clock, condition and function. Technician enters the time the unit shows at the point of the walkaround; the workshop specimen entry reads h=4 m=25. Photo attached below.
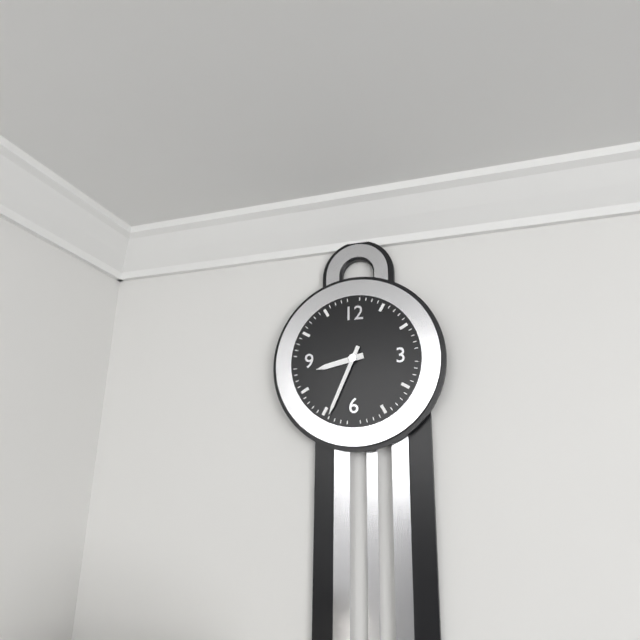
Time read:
h=8 m=34
